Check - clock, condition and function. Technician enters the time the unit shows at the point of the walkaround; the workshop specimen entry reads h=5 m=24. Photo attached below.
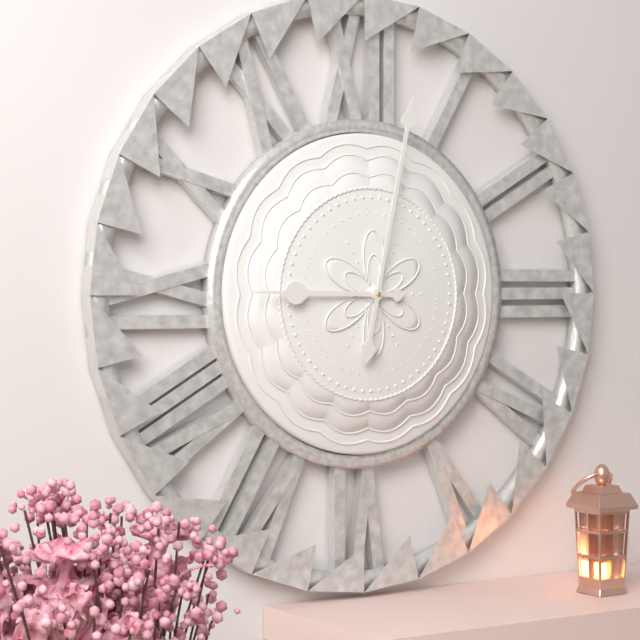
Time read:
h=9 m=2
